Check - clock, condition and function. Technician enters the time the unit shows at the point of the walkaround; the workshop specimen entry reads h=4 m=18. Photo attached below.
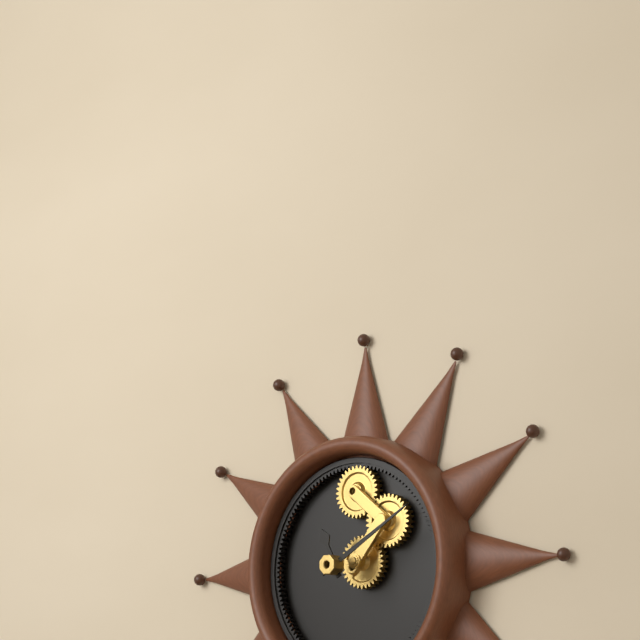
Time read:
h=11 m=10
